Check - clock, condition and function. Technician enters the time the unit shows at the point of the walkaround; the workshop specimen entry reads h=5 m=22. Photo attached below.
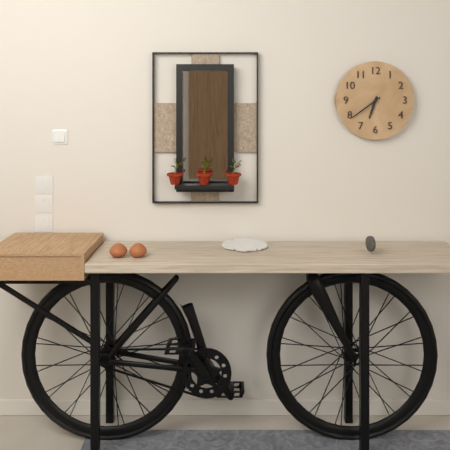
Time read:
h=6 m=39
